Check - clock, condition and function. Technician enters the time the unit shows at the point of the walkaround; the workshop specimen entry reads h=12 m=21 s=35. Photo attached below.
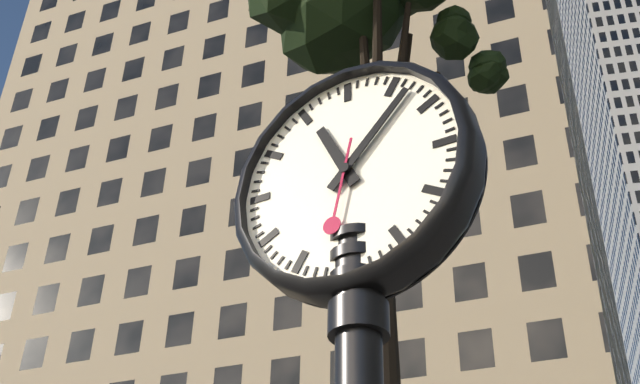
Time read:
h=11 m=7 s=32
